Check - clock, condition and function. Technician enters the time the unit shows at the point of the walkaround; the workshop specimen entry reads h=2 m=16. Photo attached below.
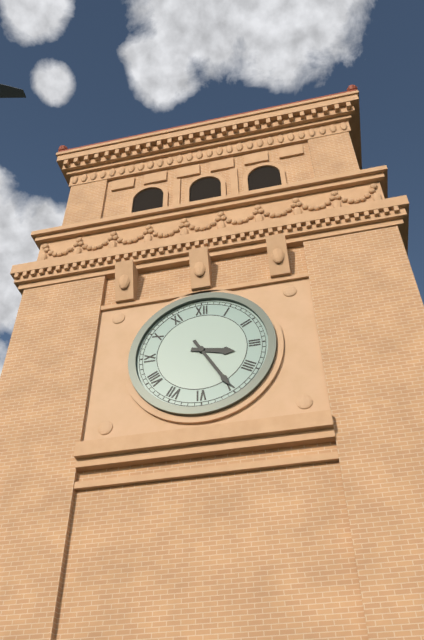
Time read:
h=3 m=25
